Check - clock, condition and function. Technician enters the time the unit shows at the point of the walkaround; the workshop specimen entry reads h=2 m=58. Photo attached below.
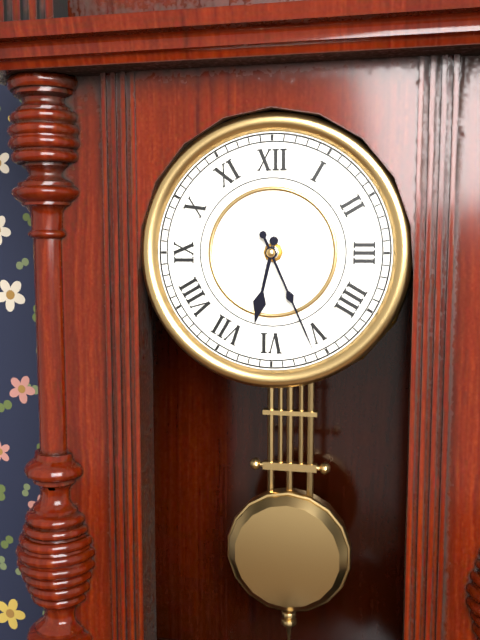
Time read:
h=6 m=26
